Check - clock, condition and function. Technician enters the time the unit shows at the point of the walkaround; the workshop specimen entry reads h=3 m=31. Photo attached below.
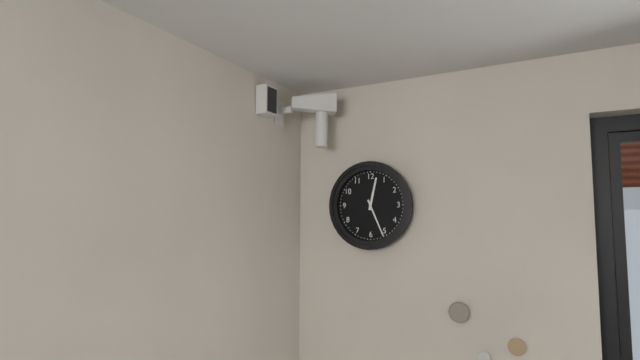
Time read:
h=12 m=26
